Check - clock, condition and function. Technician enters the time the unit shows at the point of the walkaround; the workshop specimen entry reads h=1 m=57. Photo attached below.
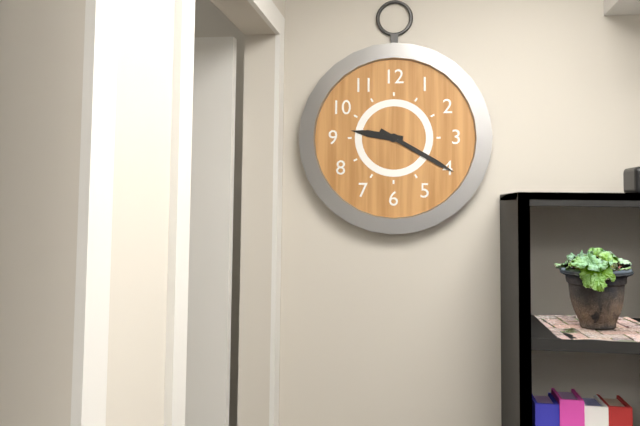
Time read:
h=9 m=20
